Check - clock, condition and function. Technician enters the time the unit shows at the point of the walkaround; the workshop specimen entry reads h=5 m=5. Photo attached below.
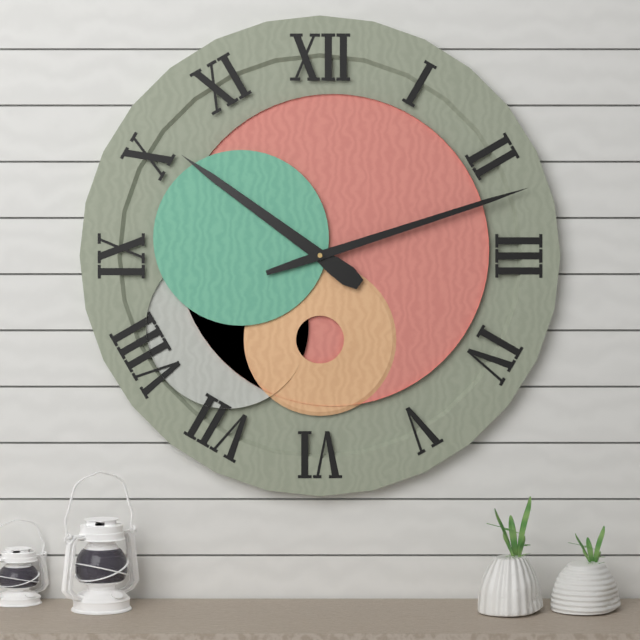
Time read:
h=10 m=12
